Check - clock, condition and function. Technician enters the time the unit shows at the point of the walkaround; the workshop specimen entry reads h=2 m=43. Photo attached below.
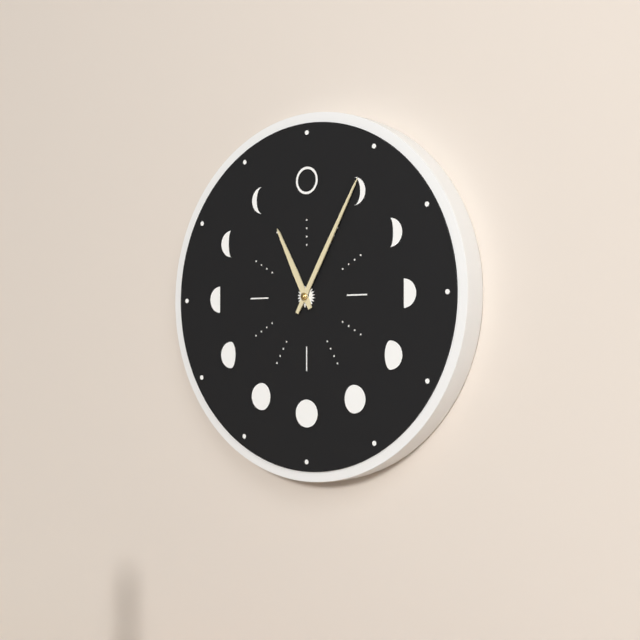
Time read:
h=11 m=5
